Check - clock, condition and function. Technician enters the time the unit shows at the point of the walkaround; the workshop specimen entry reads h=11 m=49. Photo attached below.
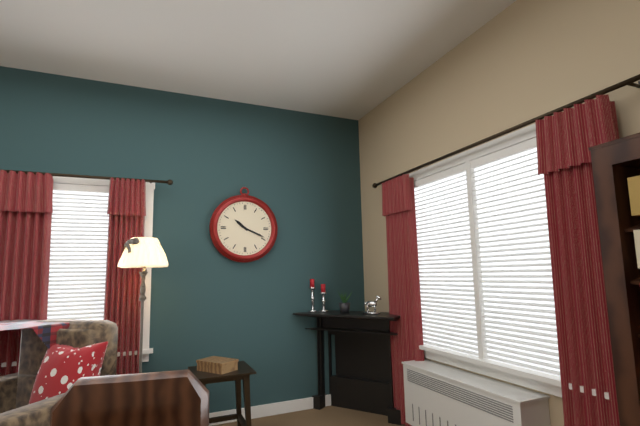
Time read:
h=10 m=19
